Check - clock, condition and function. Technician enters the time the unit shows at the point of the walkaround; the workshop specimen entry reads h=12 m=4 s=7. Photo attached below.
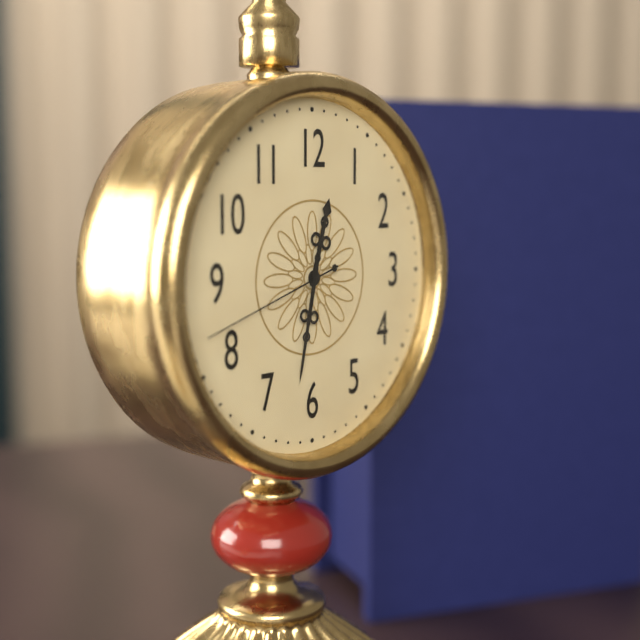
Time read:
h=12 m=32 s=42
